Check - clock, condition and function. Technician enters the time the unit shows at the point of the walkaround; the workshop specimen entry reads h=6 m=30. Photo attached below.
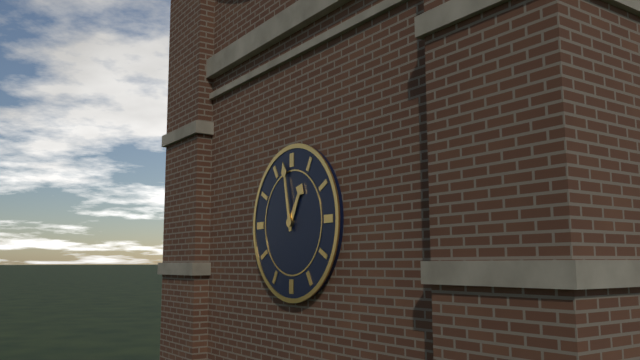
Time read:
h=12 m=58
